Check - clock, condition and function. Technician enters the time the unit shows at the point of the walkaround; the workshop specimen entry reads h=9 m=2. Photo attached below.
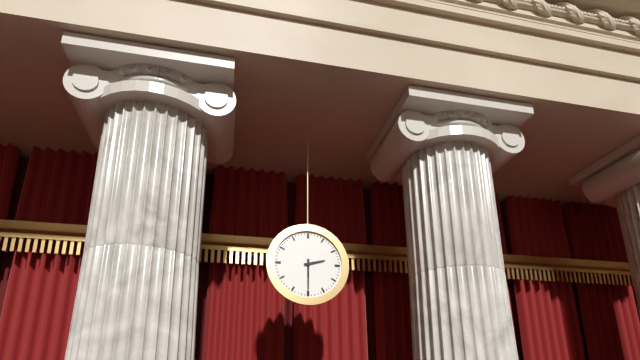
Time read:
h=2 m=30
